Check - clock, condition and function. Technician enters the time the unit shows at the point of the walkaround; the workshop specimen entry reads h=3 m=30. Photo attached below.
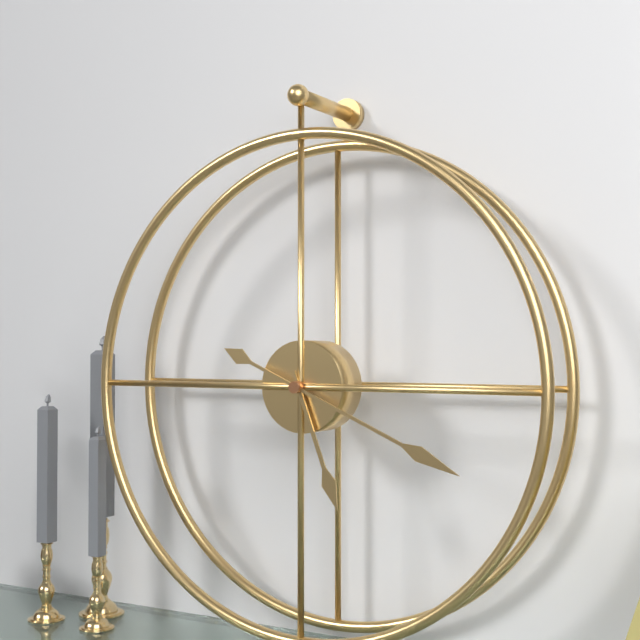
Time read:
h=5 m=19
